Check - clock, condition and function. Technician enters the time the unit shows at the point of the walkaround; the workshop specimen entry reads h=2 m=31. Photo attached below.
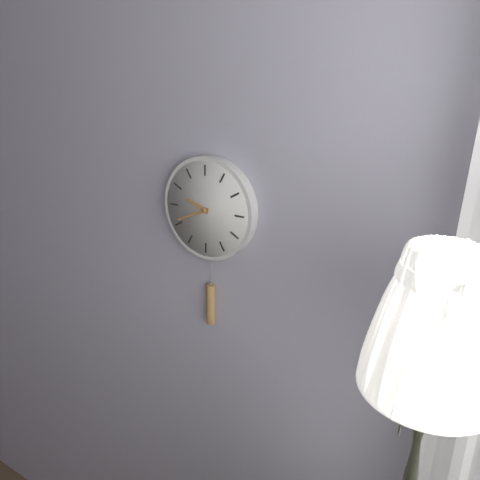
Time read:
h=9 m=41
